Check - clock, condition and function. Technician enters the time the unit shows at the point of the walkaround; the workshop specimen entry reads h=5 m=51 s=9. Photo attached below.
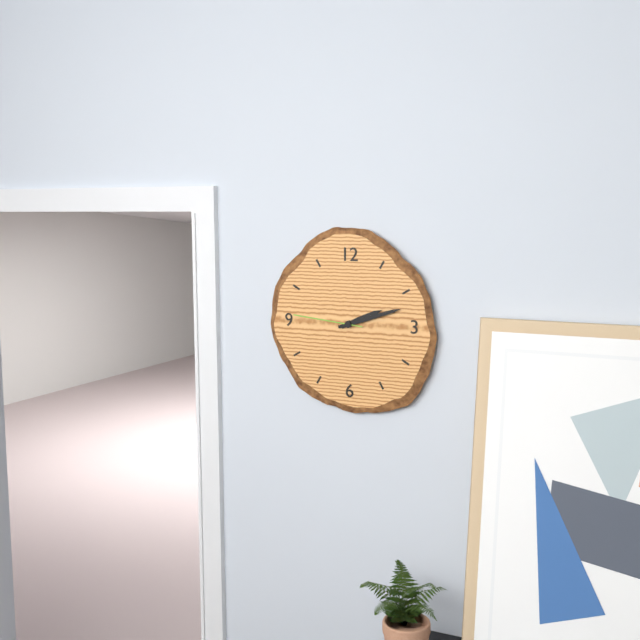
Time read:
h=2 m=12 s=46
